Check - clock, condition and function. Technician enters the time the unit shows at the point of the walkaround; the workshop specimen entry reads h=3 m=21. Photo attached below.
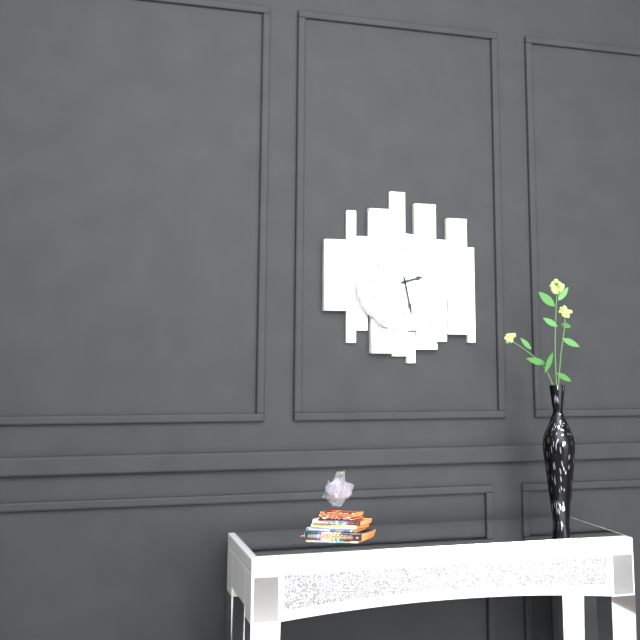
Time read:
h=2 m=28
